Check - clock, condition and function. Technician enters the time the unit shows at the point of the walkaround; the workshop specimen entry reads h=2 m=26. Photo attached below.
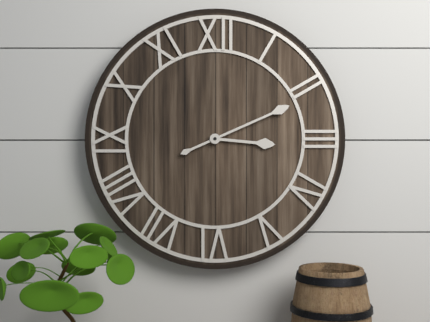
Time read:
h=3 m=11
